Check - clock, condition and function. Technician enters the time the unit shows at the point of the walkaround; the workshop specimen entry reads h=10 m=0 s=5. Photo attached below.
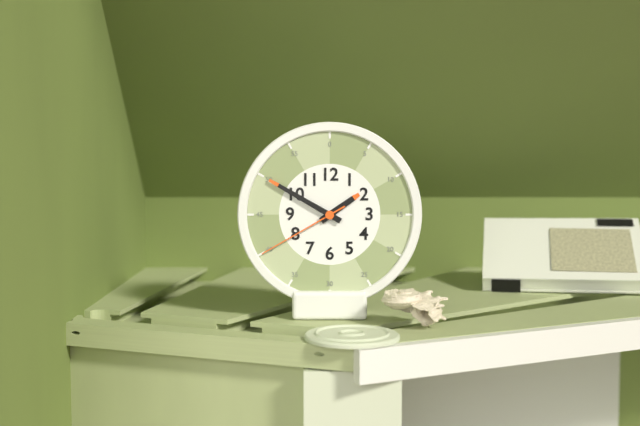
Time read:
h=1 m=50 s=40
